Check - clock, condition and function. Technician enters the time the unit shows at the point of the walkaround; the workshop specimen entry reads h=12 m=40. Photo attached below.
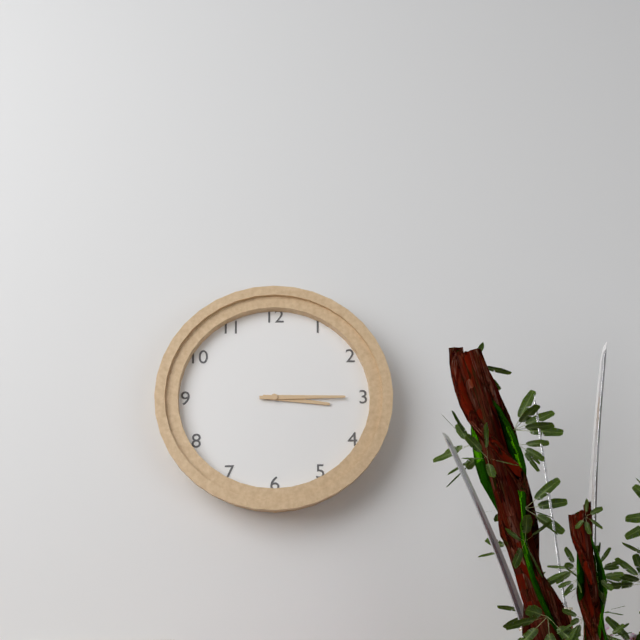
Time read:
h=3 m=15
